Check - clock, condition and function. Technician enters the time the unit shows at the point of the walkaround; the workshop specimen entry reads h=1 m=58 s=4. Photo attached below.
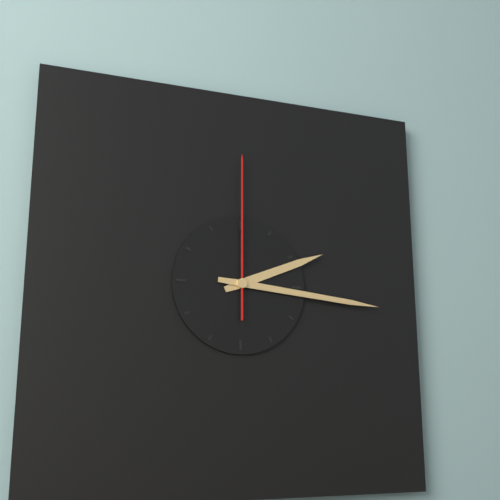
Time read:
h=2 m=16 s=0
